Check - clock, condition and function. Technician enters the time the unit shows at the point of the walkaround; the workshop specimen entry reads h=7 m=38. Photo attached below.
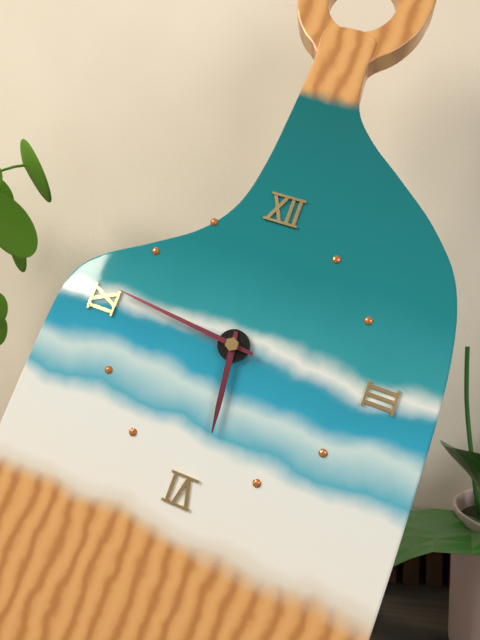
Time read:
h=5 m=46
